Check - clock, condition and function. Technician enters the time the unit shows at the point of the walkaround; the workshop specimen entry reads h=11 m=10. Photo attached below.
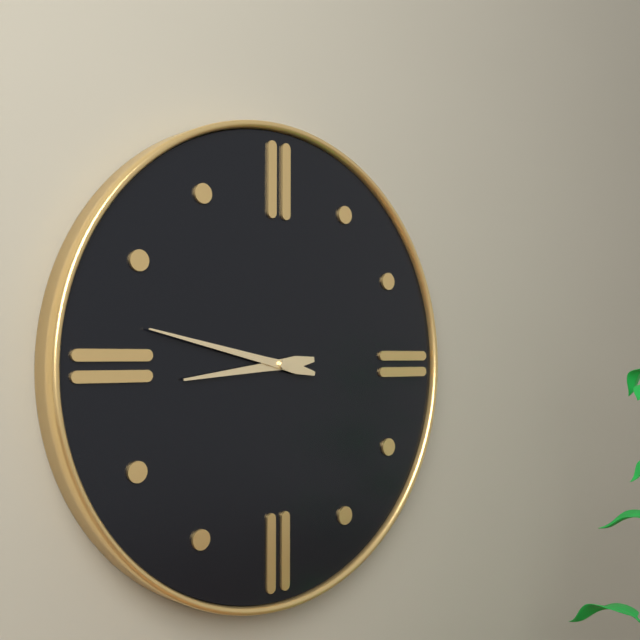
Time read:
h=8 m=47
